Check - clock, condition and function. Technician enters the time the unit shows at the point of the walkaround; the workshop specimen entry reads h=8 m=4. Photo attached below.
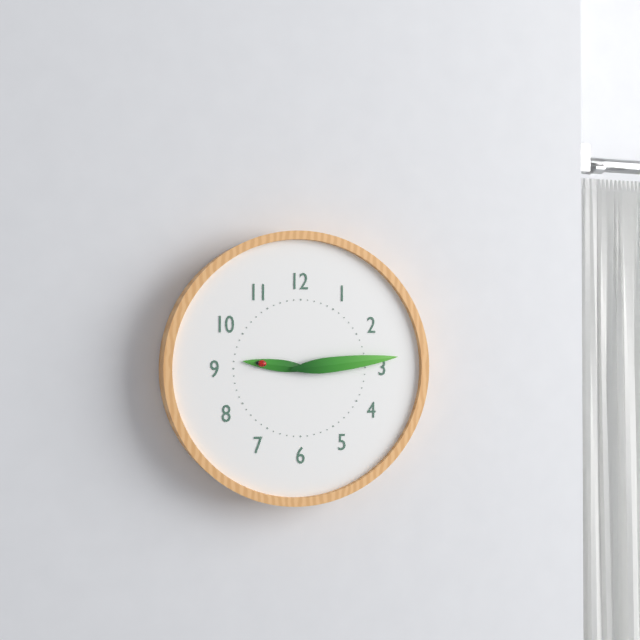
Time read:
h=9 m=14
